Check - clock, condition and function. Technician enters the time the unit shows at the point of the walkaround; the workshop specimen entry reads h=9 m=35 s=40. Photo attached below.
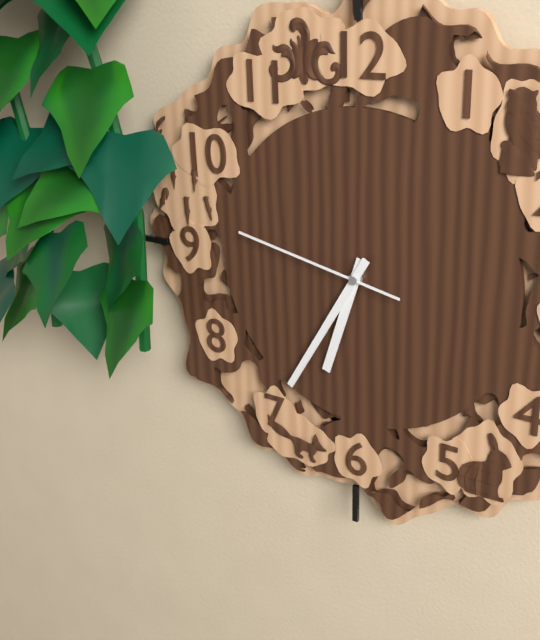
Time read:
h=6 m=35 s=47
